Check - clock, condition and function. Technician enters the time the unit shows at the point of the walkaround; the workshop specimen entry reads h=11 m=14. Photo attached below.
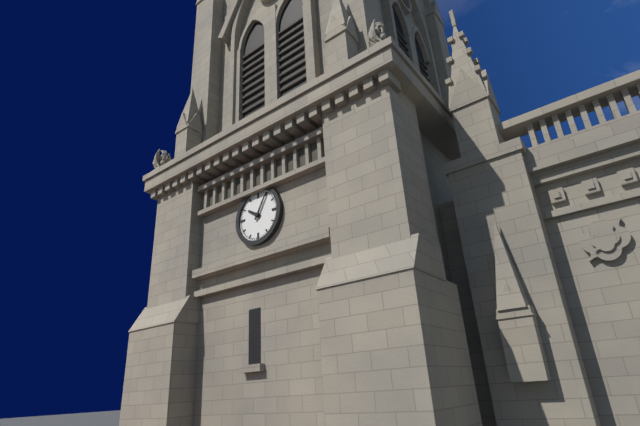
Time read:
h=10 m=5
